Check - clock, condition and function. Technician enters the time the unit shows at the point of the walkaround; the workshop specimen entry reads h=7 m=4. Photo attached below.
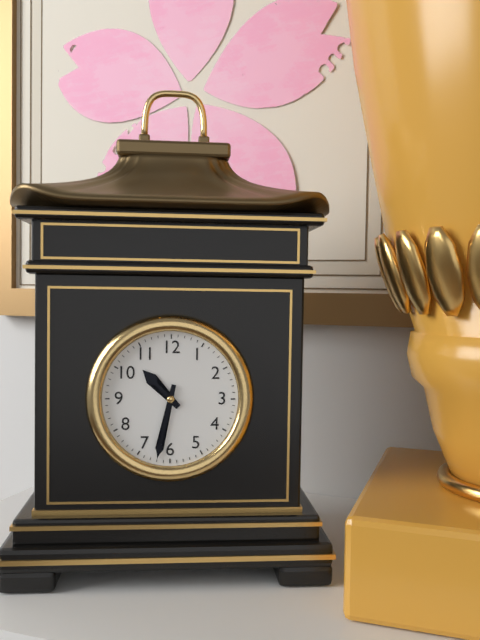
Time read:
h=10 m=32
